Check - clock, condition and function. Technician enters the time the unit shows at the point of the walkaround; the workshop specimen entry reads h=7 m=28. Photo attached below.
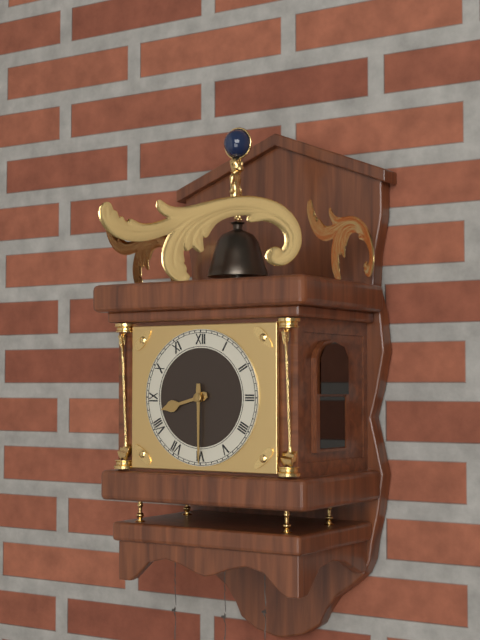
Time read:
h=8 m=30
